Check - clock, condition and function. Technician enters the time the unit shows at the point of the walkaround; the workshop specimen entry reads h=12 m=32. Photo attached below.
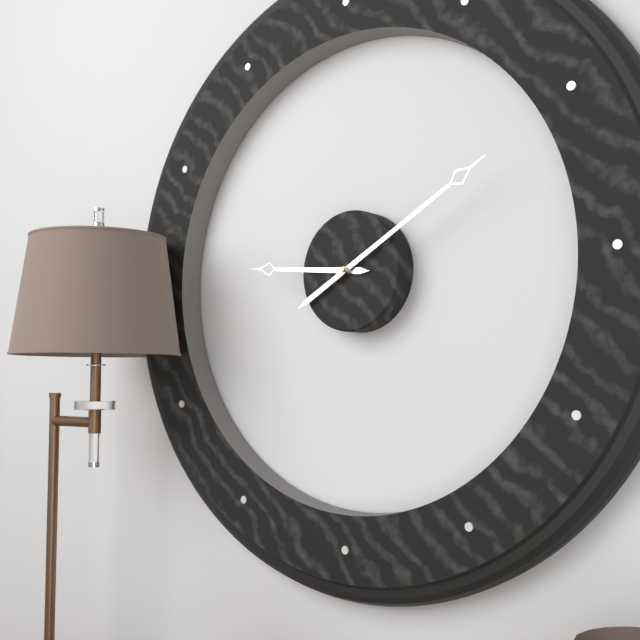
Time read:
h=9 m=10
